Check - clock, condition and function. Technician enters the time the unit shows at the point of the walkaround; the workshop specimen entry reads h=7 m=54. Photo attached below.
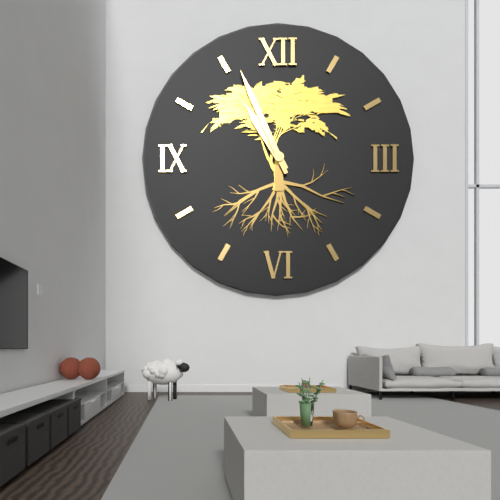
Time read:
h=10 m=56
